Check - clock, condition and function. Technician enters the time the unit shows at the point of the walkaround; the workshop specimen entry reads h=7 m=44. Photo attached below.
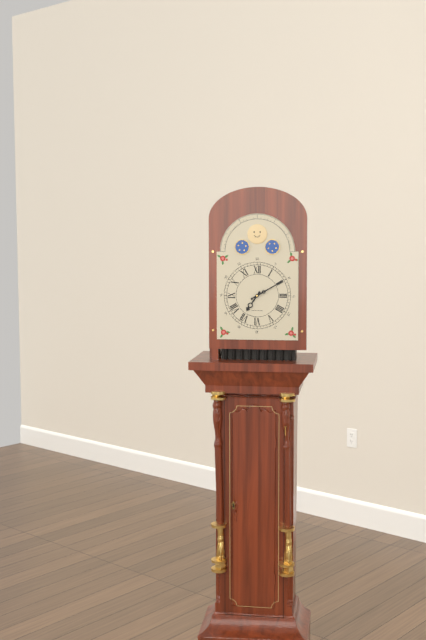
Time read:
h=7 m=10
